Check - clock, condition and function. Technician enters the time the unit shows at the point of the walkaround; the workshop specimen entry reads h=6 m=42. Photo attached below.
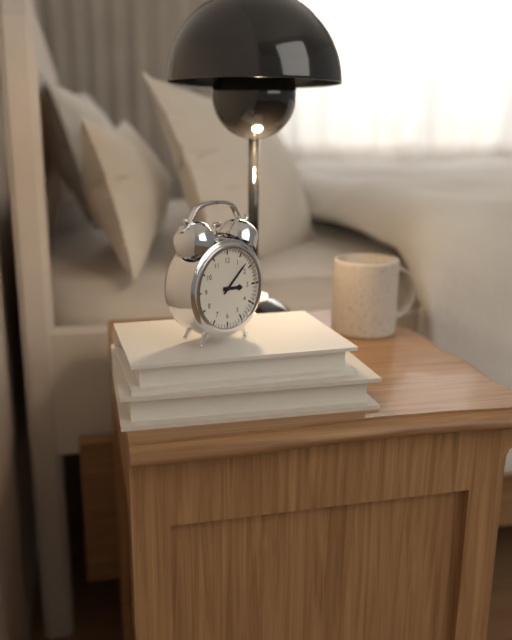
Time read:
h=3 m=8
